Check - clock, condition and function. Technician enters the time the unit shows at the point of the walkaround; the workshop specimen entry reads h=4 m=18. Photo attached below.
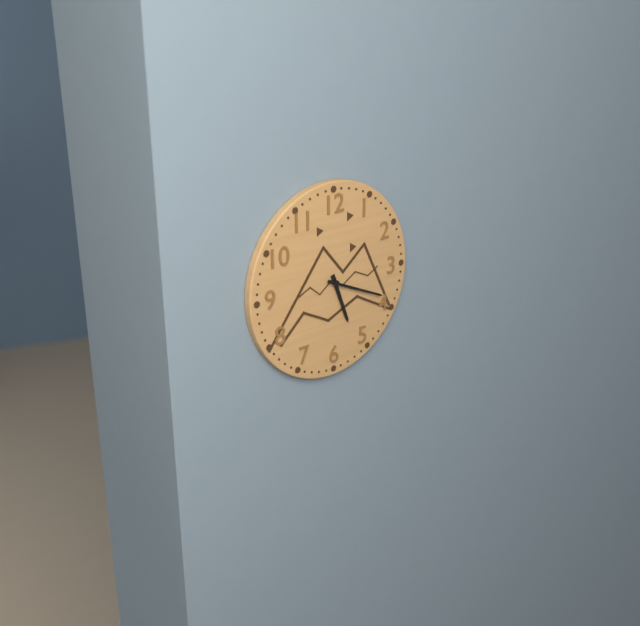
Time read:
h=5 m=19
